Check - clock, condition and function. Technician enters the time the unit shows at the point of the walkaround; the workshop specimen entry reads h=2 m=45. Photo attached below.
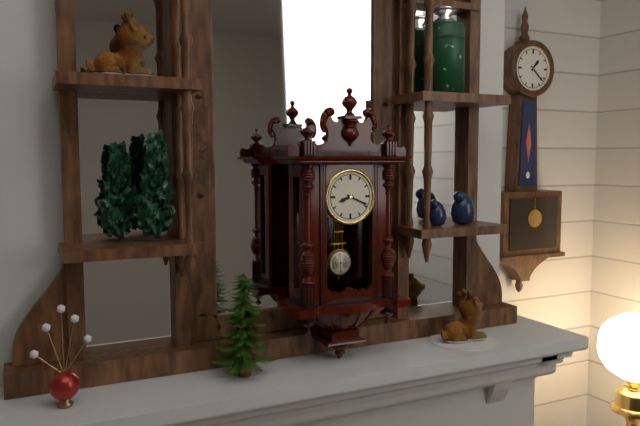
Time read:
h=8 m=19
